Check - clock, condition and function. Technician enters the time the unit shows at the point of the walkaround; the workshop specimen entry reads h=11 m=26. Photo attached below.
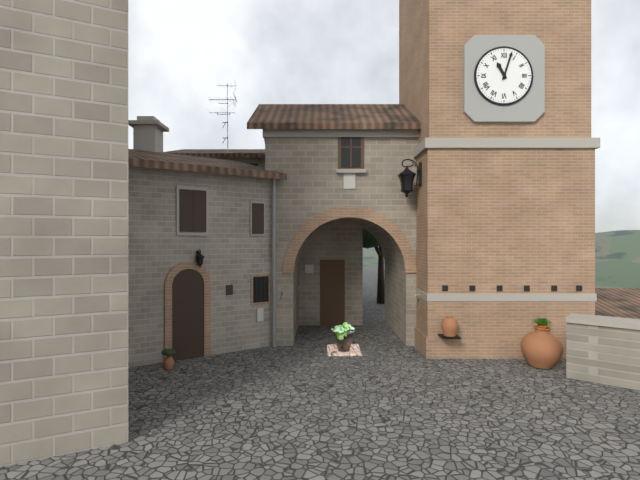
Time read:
h=11 m=3
